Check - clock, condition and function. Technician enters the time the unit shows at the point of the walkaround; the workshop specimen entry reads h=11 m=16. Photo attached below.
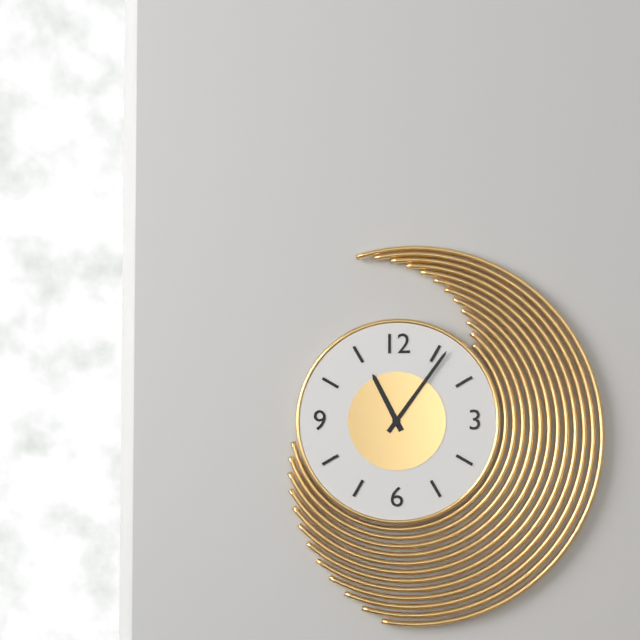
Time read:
h=11 m=6
